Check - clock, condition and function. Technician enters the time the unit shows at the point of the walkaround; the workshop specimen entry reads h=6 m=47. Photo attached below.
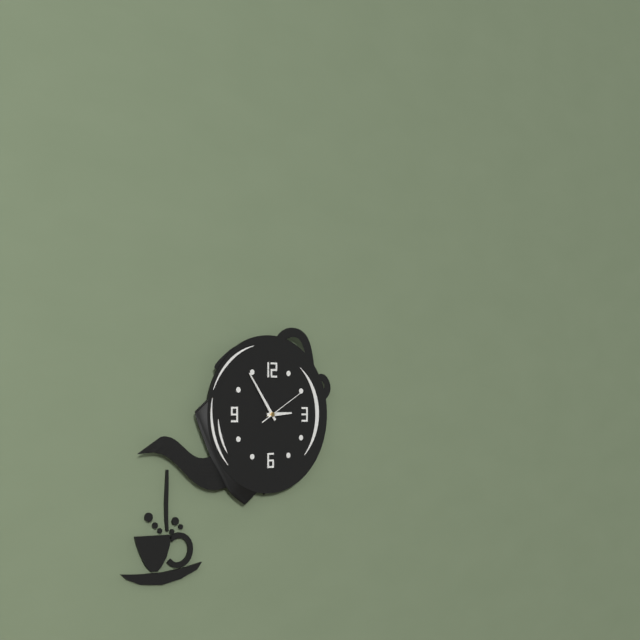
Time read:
h=2 m=54
